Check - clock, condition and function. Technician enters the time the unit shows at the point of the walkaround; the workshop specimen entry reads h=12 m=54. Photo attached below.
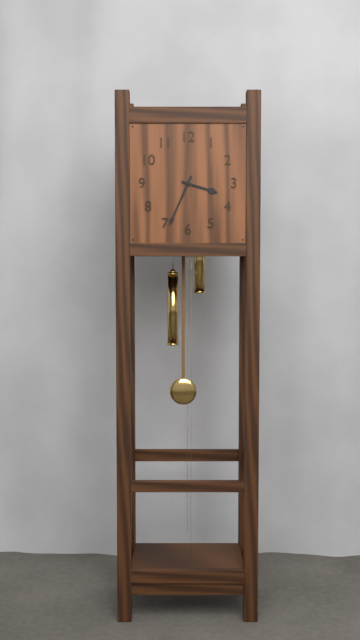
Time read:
h=3 m=34
